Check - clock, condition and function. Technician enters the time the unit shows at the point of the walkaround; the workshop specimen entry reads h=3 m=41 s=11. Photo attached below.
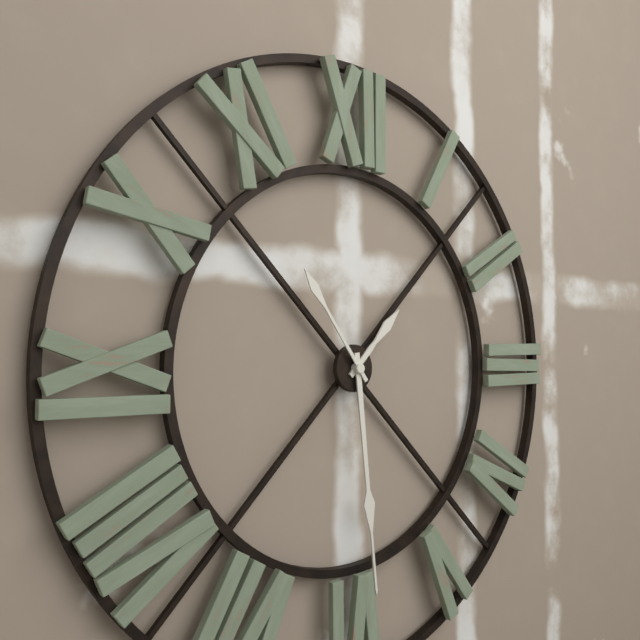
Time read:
h=1 m=29 s=54
